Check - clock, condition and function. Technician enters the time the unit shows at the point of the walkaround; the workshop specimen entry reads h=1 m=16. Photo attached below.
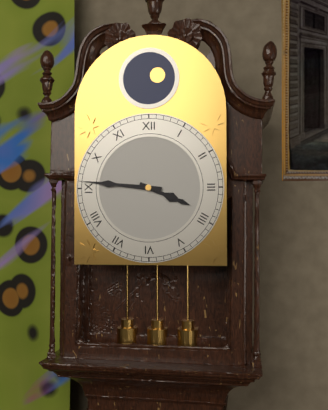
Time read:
h=3 m=46
